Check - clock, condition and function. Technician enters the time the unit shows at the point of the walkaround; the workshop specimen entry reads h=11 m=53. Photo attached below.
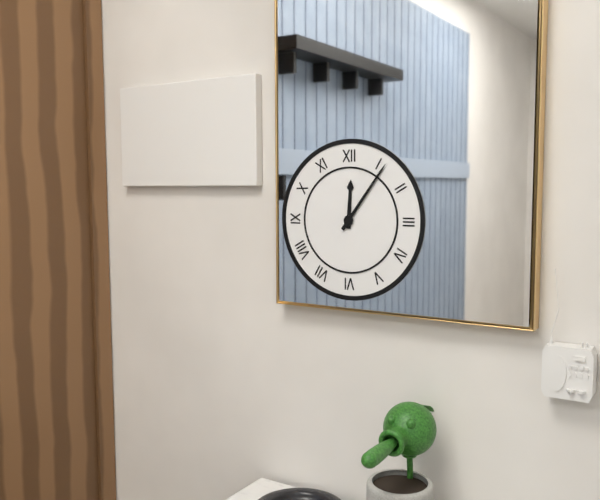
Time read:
h=12 m=6
